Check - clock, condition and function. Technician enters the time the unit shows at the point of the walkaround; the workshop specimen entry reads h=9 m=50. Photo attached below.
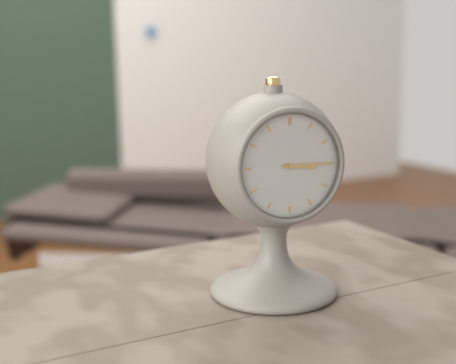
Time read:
h=3 m=15
